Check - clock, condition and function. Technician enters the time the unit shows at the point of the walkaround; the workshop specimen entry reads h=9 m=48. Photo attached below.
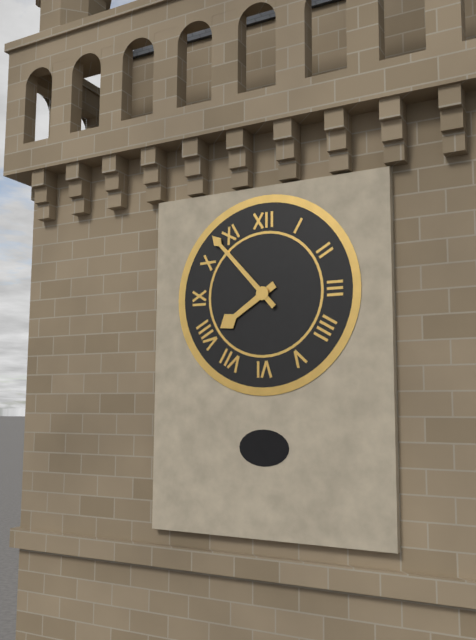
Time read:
h=7 m=53
